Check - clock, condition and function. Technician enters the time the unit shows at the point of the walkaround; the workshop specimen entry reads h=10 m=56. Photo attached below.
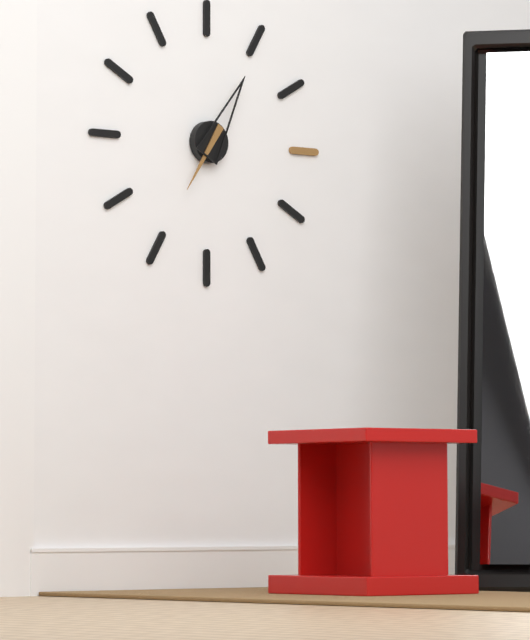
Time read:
h=7 m=5
